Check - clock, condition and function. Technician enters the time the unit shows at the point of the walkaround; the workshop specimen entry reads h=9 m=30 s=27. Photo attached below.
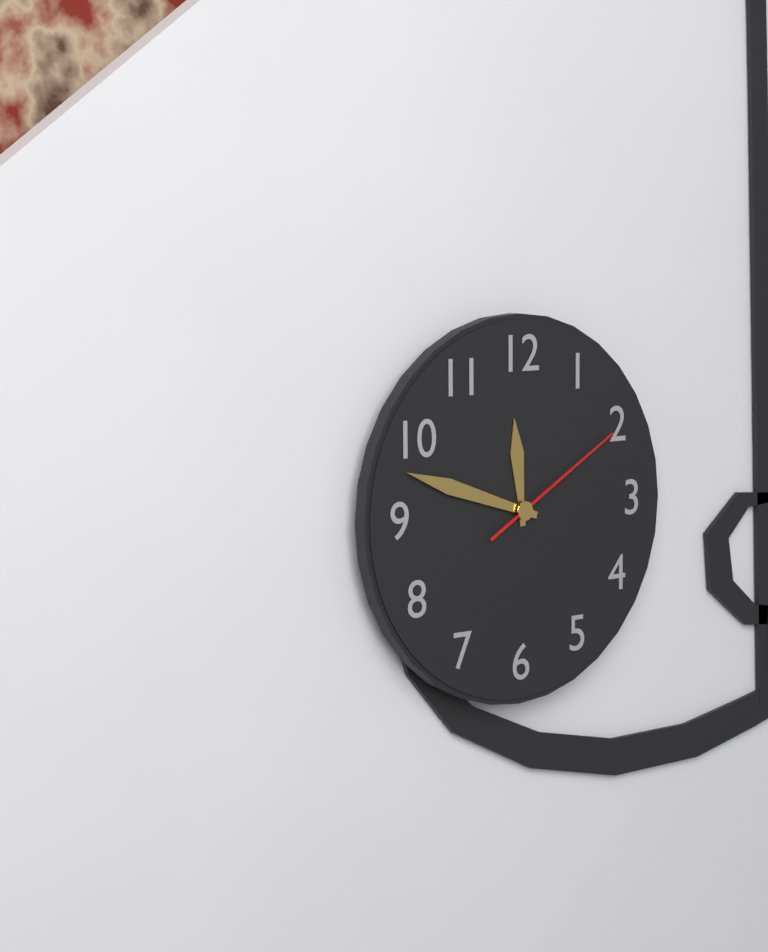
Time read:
h=11 m=48 s=10
